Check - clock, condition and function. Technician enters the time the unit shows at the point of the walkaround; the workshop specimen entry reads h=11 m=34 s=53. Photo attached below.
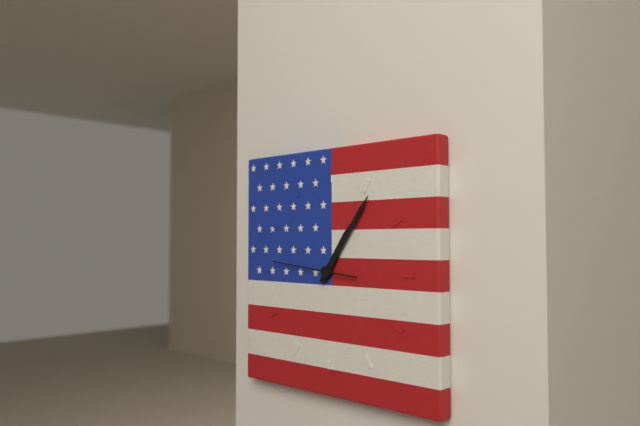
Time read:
h=1 m=6 s=46
